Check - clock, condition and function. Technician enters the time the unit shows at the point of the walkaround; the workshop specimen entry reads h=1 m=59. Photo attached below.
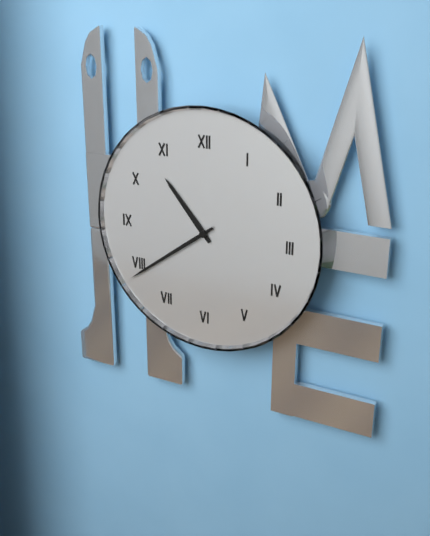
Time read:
h=10 m=39
